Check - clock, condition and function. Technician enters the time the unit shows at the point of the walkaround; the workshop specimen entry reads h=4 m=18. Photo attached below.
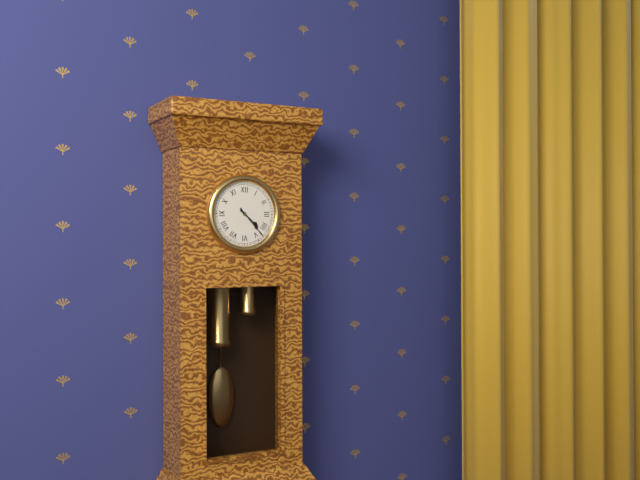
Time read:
h=4 m=23
